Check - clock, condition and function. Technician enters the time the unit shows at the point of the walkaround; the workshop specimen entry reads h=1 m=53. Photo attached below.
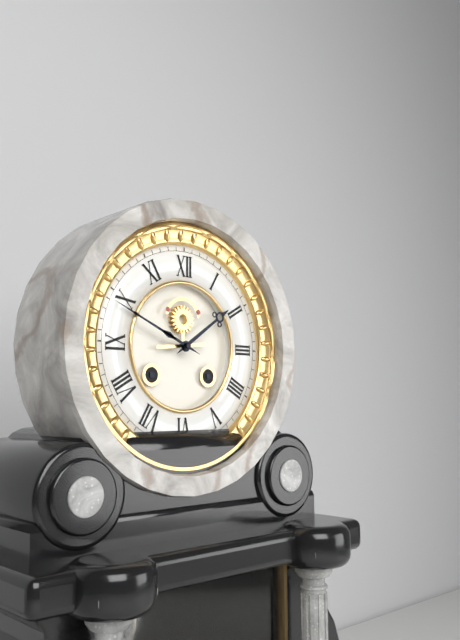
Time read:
h=1 m=49
